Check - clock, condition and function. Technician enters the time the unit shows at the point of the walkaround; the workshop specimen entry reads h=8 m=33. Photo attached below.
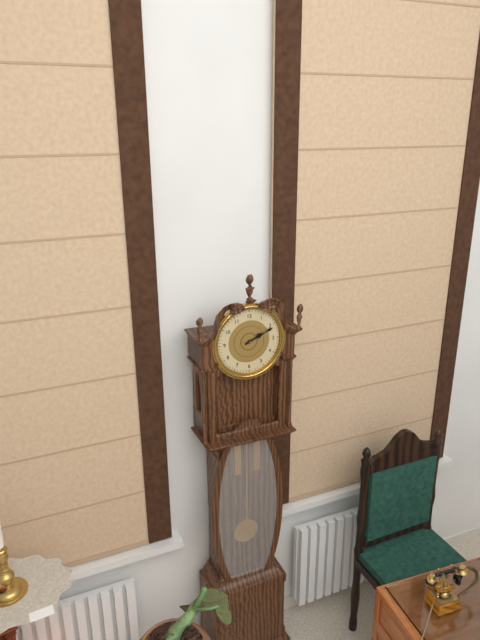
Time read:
h=2 m=11
